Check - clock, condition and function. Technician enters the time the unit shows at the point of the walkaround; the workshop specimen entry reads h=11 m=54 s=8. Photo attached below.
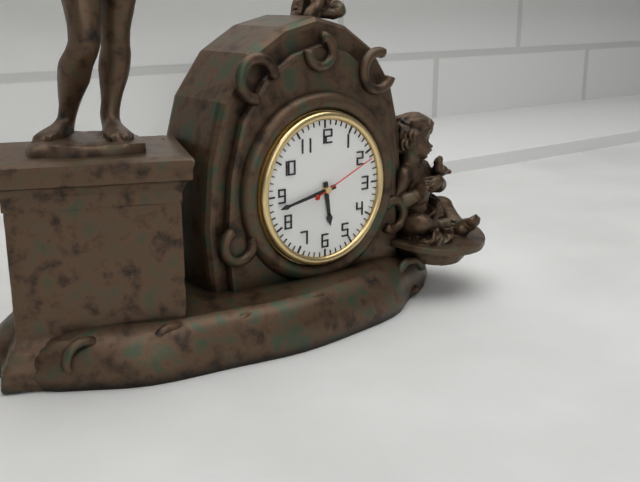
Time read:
h=5 m=43 s=11
